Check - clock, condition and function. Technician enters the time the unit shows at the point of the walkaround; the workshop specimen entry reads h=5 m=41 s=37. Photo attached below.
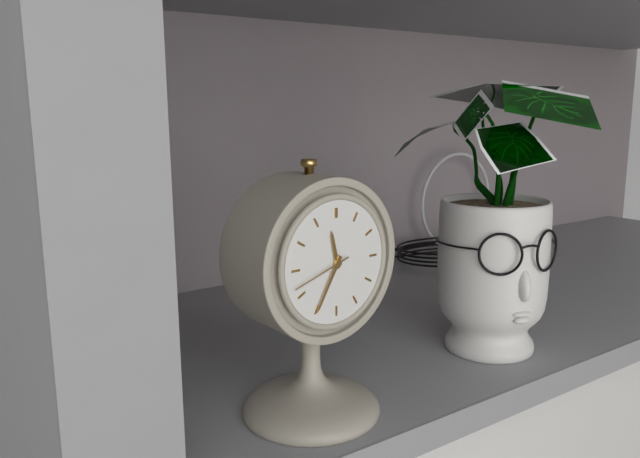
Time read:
h=11 m=35 s=42
